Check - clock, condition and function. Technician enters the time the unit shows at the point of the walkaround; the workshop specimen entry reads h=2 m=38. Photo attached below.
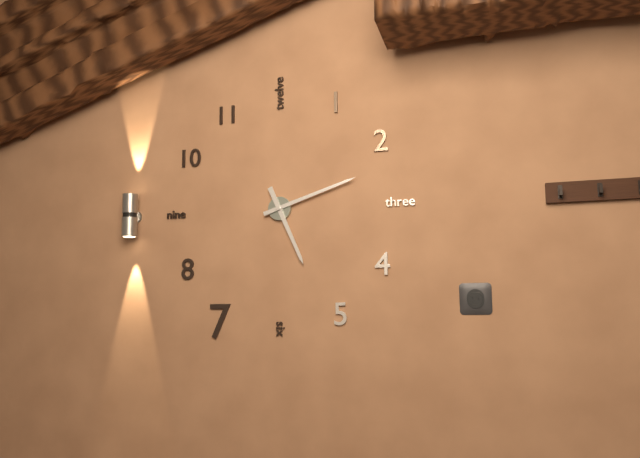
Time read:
h=5 m=12
